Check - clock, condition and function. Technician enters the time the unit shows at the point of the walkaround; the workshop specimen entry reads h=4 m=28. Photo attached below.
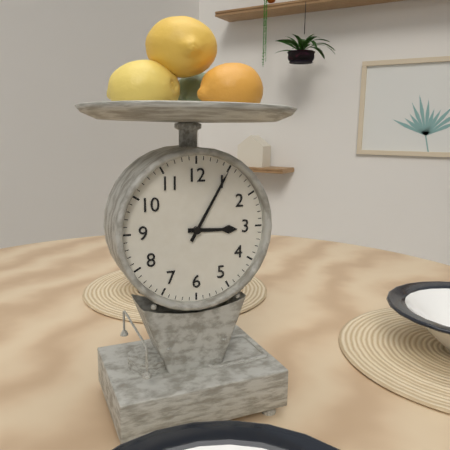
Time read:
h=3 m=5
